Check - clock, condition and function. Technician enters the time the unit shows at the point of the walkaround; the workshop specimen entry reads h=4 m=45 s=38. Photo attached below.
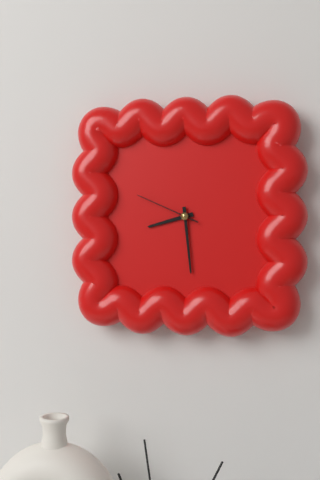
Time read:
h=8 m=29 s=49
